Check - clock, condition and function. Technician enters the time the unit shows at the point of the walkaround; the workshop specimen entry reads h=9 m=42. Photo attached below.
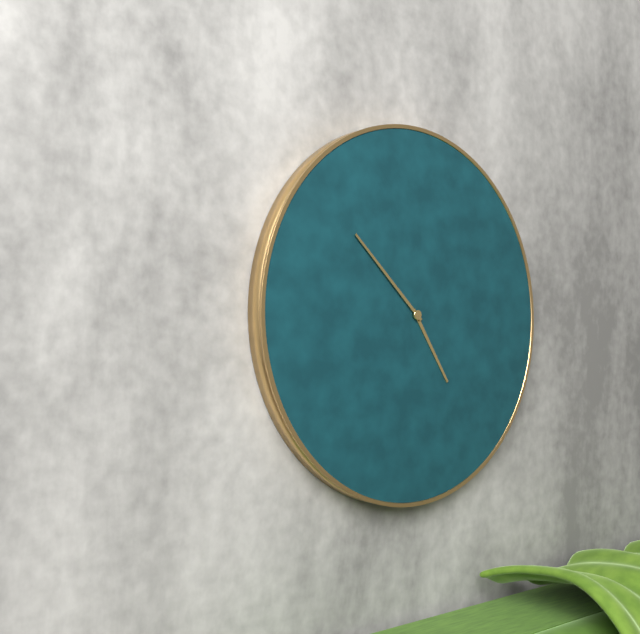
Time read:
h=4 m=52
